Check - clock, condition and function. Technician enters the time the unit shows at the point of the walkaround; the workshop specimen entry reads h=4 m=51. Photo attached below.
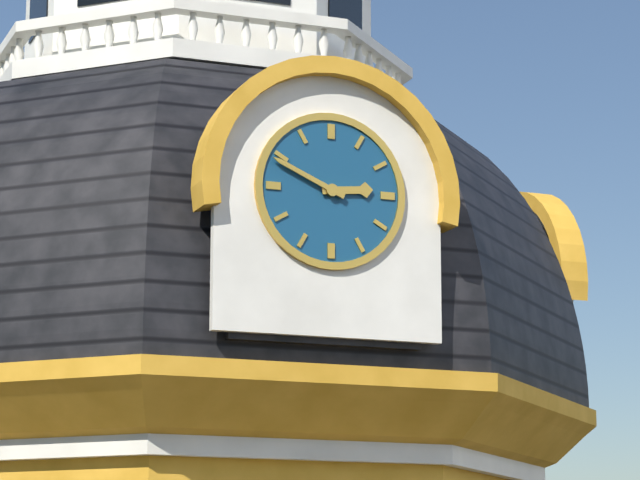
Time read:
h=2 m=49
